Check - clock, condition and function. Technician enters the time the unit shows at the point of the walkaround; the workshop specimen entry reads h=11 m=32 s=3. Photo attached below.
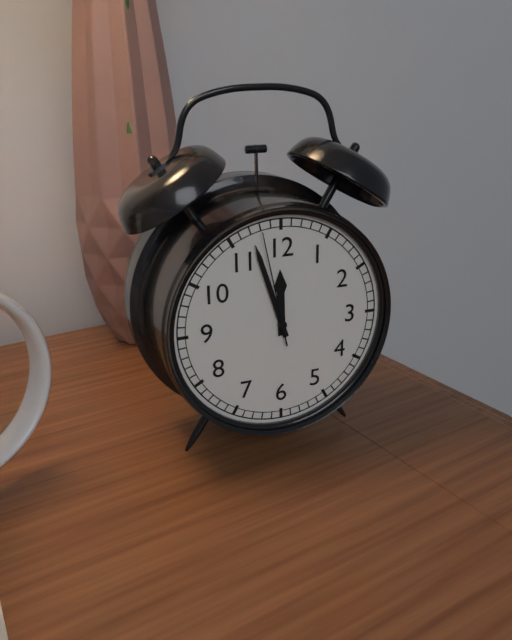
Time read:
h=11 m=57 s=58
